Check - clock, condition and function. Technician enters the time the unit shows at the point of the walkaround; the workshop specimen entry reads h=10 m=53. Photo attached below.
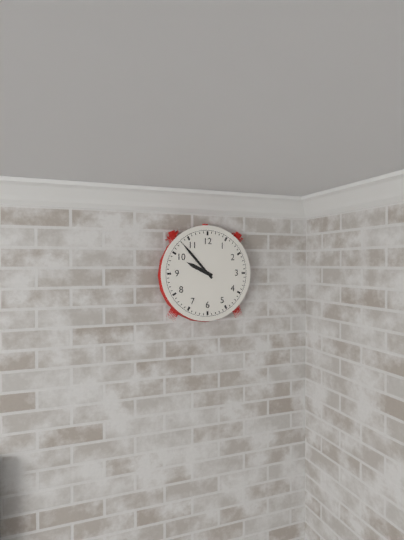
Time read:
h=9 m=53
